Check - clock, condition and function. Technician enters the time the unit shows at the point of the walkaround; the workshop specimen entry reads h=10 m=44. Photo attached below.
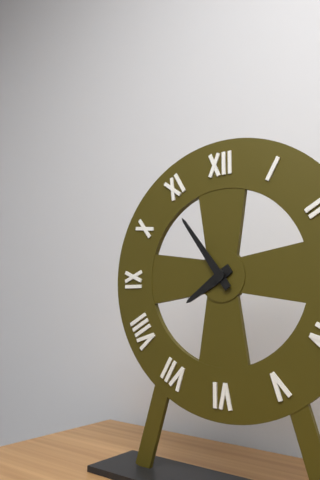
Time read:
h=7 m=54
